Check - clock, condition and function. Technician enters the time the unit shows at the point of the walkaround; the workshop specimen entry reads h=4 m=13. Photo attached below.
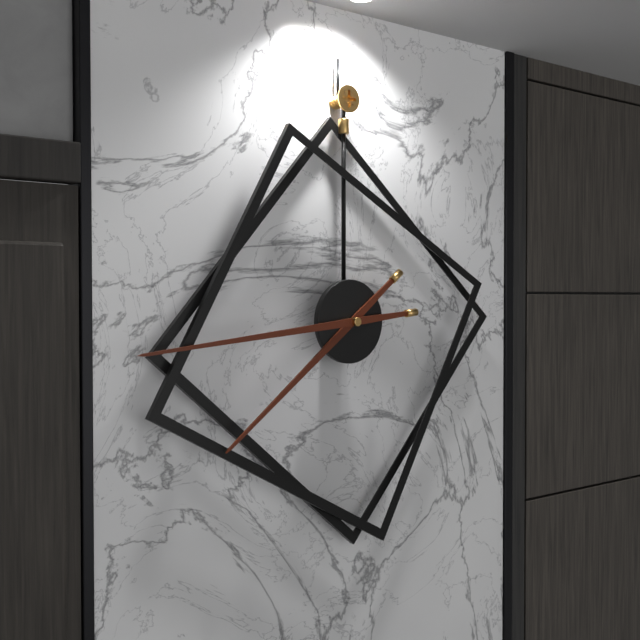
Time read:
h=7 m=44
